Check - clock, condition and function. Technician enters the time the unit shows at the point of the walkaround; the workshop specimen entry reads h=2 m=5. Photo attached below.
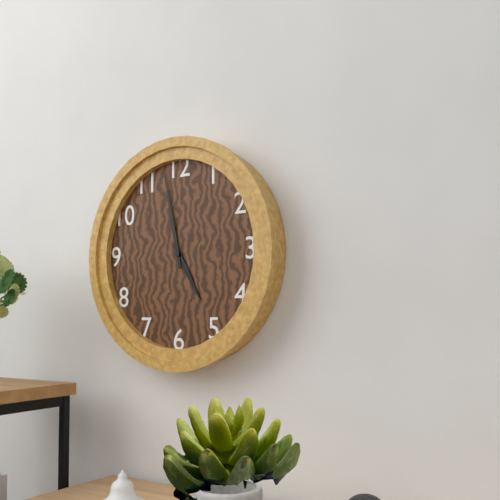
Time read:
h=4 m=58
